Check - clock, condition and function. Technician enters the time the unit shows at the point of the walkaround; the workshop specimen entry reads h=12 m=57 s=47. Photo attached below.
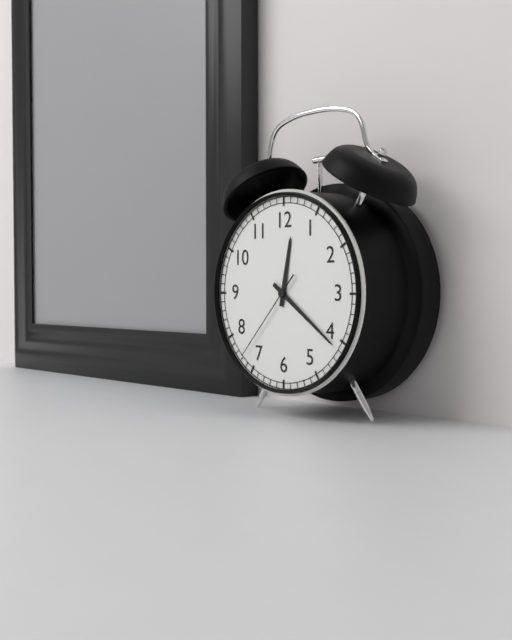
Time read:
h=12 m=21 s=37
